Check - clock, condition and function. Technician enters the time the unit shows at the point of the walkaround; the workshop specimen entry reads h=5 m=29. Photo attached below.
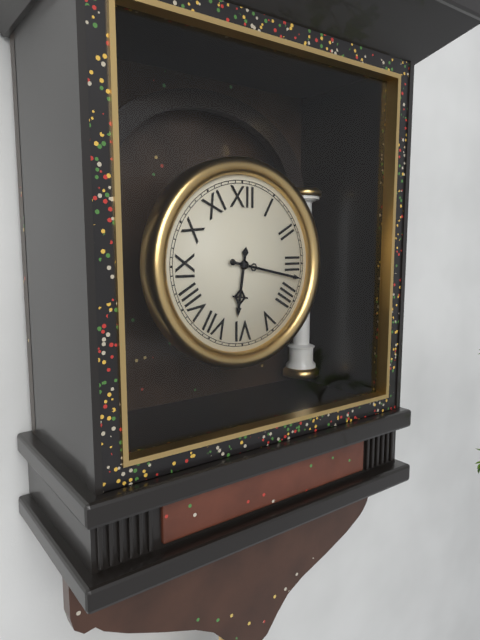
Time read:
h=6 m=17
